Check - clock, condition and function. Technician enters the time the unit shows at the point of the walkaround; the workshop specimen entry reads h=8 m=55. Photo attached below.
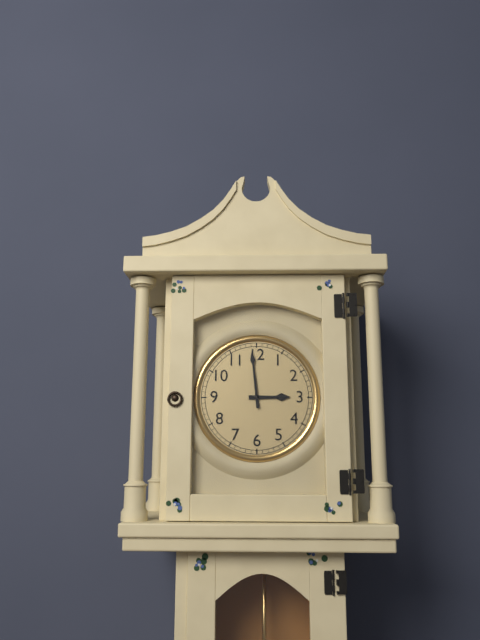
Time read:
h=2 m=59
